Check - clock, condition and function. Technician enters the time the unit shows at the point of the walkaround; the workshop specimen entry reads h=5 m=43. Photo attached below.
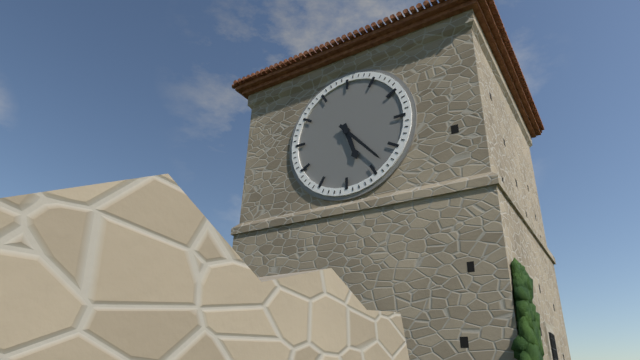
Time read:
h=5 m=23
